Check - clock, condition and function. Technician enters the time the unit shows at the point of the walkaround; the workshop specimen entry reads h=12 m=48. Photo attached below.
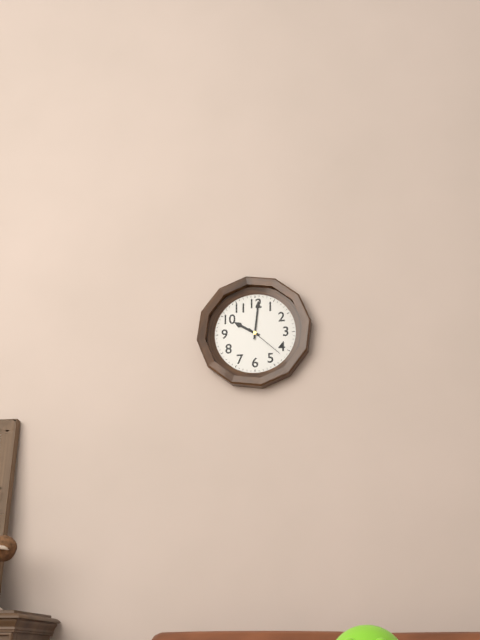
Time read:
h=10 m=1
